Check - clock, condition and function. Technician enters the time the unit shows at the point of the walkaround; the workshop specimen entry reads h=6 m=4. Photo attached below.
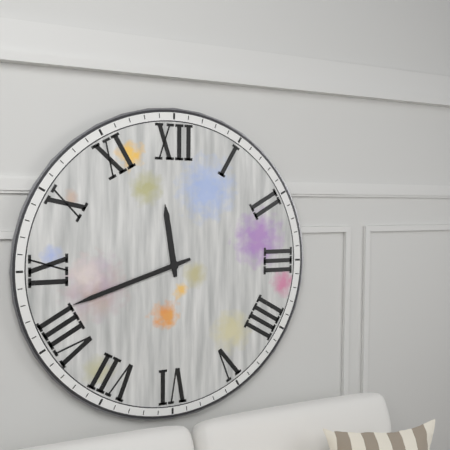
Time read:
h=11 m=42
